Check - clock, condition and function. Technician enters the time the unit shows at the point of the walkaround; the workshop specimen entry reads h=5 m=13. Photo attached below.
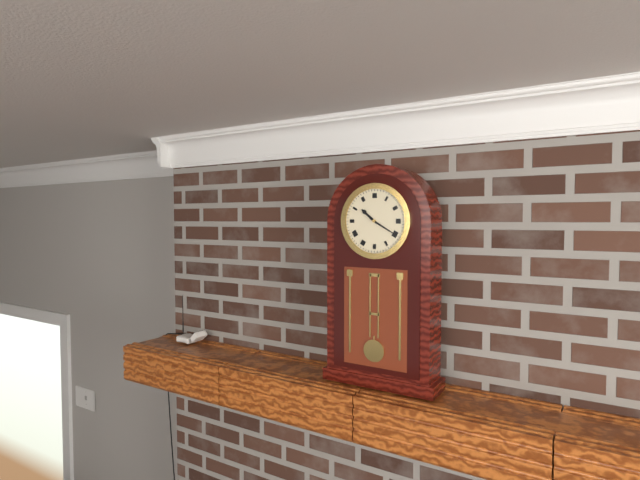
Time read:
h=10 m=20
